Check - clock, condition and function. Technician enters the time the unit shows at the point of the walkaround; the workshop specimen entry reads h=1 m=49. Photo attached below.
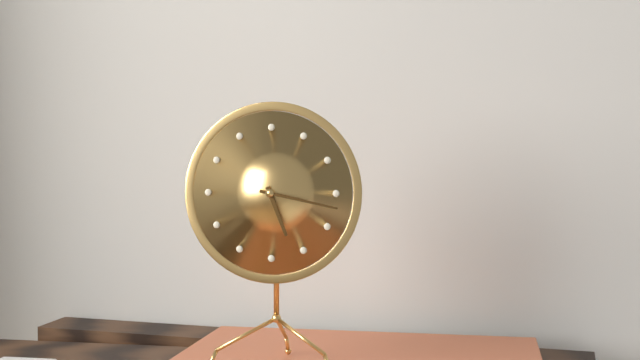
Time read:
h=5 m=17
